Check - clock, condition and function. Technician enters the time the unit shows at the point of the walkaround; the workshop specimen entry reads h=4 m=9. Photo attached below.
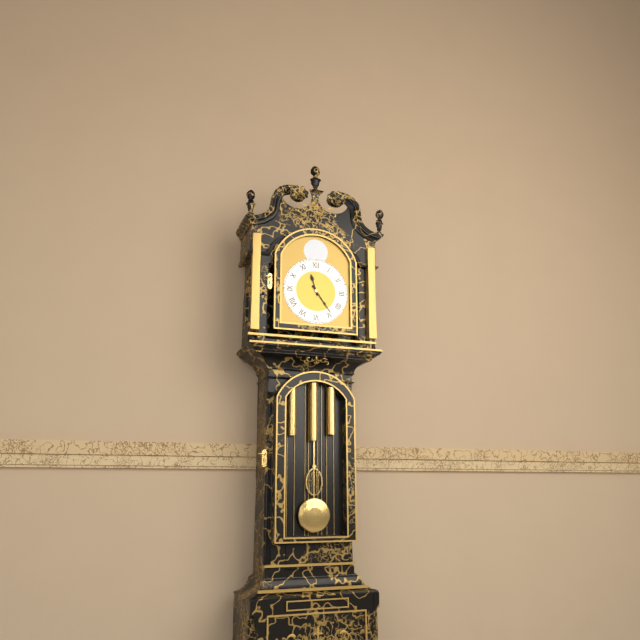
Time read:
h=11 m=24
